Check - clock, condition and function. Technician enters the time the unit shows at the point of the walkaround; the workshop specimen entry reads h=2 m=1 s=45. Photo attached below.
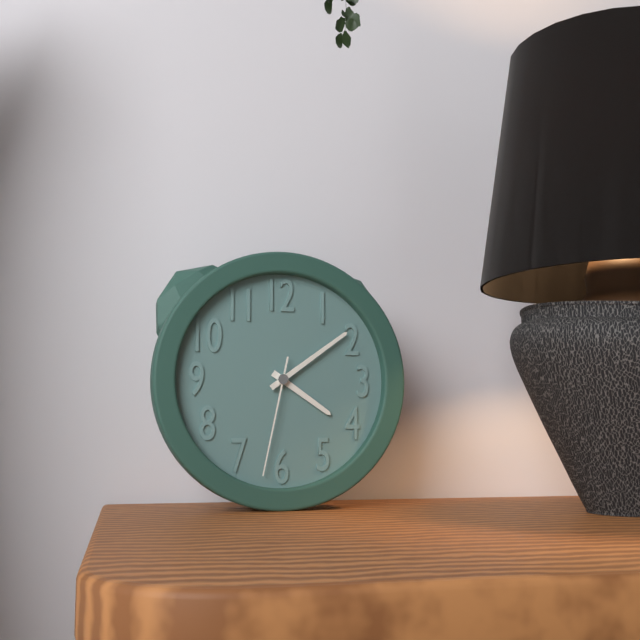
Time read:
h=4 m=9 s=32
